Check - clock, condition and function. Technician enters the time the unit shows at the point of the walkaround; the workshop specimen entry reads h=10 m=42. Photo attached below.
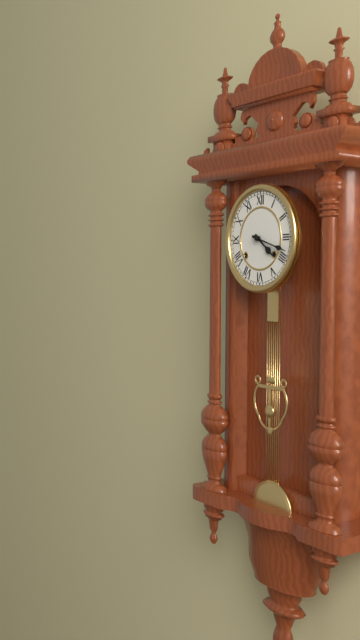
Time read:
h=4 m=18
